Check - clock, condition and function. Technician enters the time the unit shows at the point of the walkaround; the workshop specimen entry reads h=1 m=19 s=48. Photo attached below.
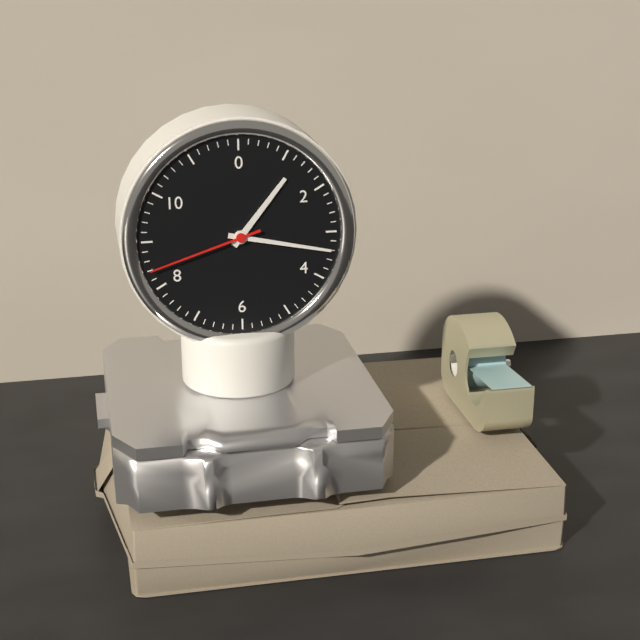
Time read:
h=1 m=17 s=42
